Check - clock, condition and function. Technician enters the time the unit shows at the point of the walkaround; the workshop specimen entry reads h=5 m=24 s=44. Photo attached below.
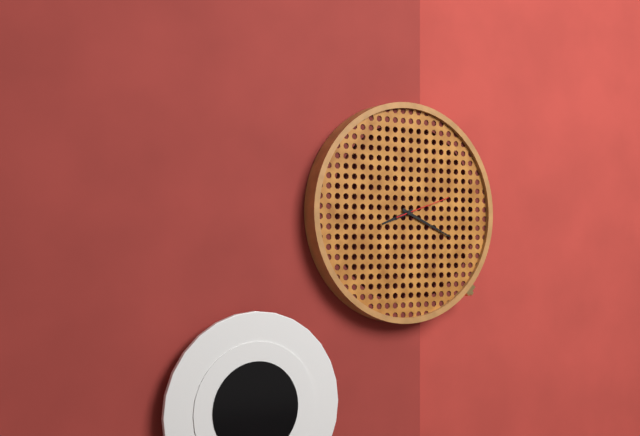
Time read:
h=8 m=19 s=12
